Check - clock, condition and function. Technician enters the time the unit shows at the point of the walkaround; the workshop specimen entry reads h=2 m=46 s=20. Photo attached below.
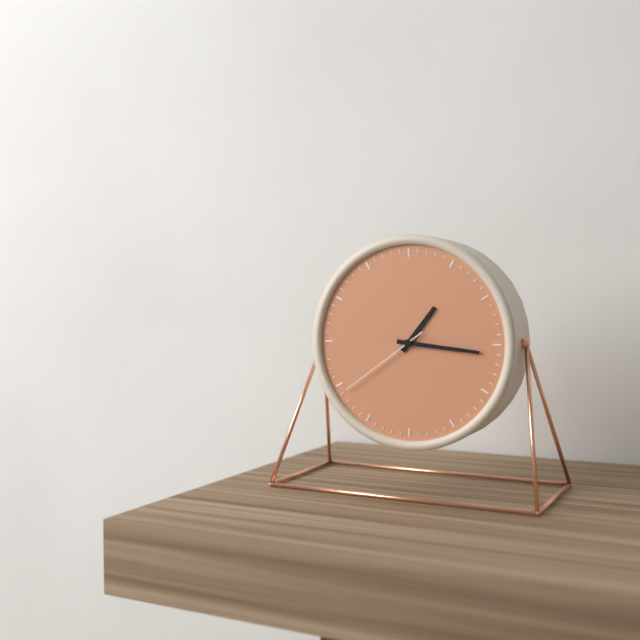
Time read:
h=1 m=16 s=39
